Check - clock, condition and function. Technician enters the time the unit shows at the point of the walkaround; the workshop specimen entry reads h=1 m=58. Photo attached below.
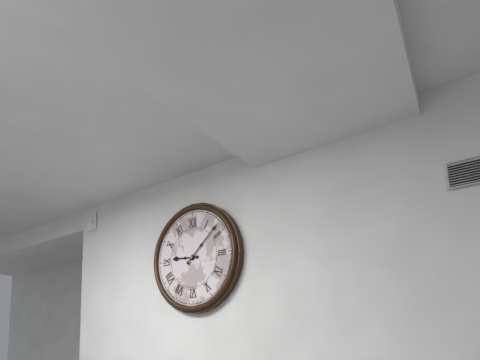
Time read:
h=9 m=8
